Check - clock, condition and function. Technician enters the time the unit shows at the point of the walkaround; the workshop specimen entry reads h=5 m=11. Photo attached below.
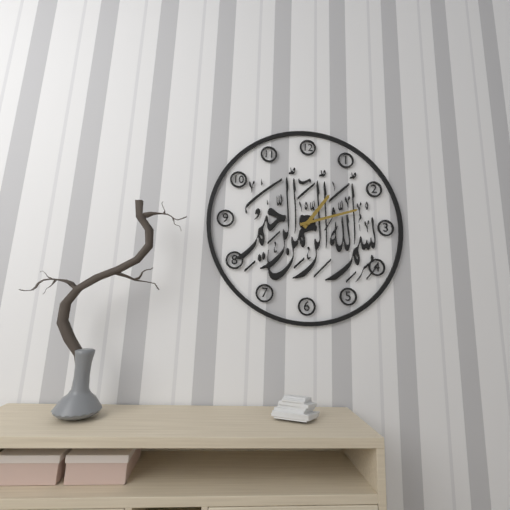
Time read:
h=1 m=12
